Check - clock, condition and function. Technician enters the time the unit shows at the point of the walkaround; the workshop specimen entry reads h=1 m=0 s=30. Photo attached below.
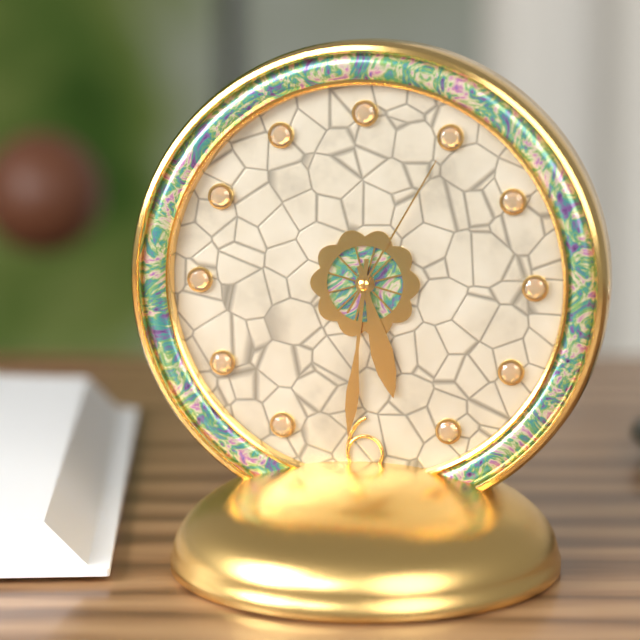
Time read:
h=5 m=31 s=5
